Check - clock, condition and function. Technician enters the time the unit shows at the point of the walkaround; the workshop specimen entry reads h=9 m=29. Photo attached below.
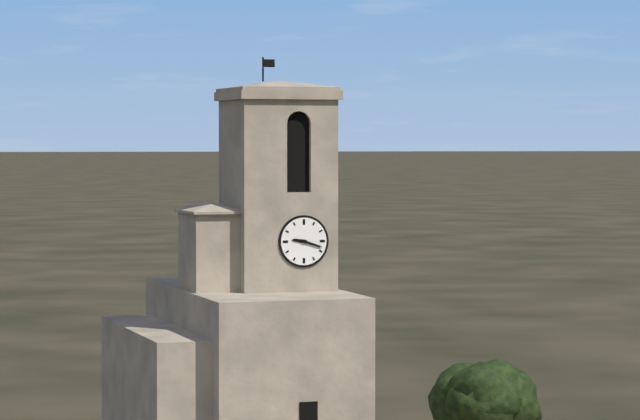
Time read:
h=9 m=18
